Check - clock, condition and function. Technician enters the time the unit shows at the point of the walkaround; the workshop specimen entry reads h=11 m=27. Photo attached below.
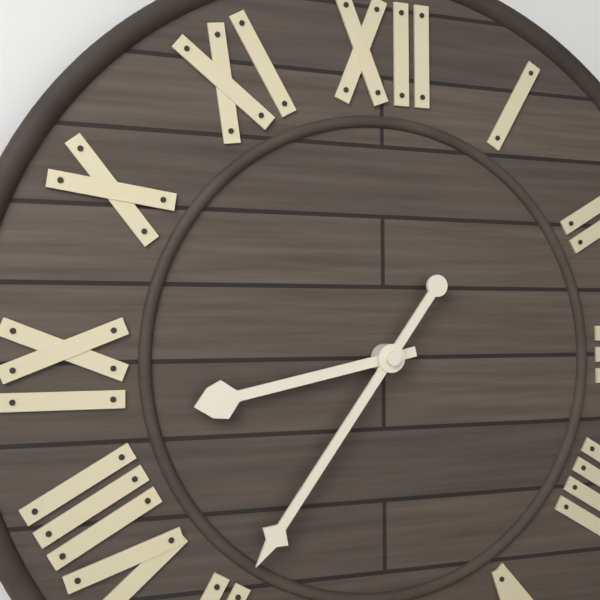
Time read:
h=8 m=36
